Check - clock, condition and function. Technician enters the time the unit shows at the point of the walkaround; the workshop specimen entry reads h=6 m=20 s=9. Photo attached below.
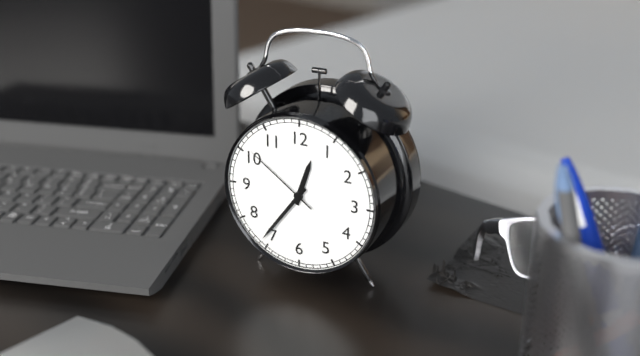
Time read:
h=12 m=36 s=51
